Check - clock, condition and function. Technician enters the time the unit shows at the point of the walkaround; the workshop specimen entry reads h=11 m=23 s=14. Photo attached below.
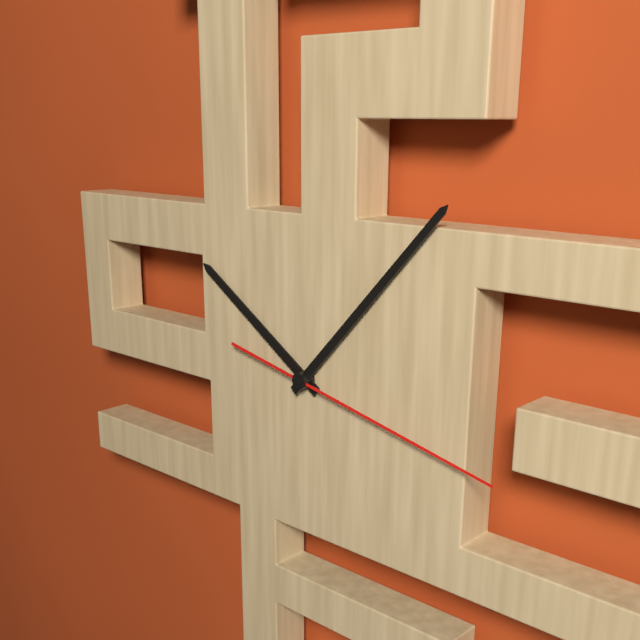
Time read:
h=10 m=7 s=17
